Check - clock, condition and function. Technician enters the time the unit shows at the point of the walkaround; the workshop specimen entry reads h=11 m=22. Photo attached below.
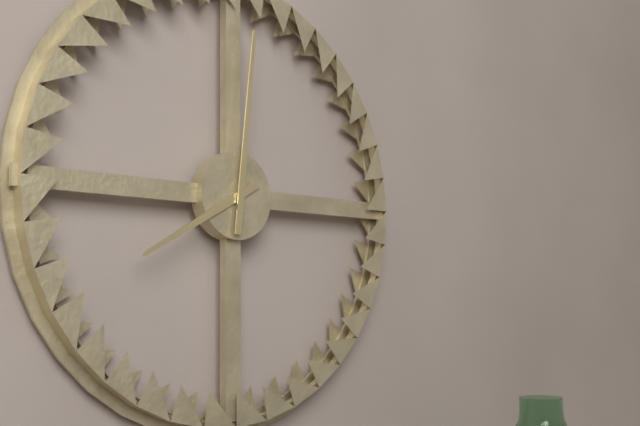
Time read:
h=8 m=1
